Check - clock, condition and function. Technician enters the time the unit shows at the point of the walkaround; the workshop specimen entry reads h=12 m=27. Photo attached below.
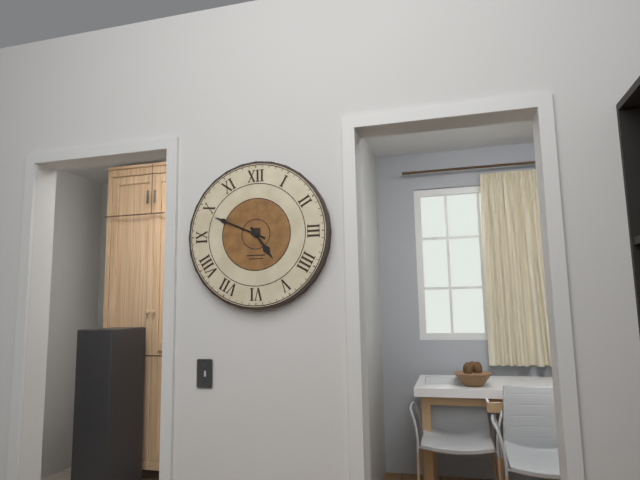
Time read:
h=4 m=49
